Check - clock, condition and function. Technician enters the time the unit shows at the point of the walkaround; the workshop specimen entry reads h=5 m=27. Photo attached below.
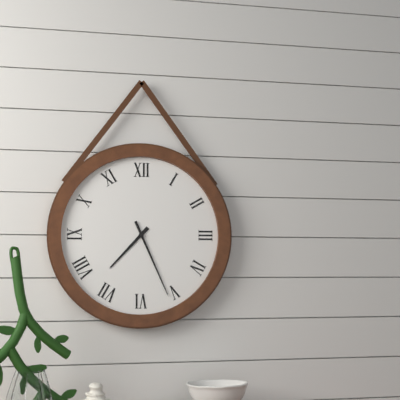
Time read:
h=7 m=26
